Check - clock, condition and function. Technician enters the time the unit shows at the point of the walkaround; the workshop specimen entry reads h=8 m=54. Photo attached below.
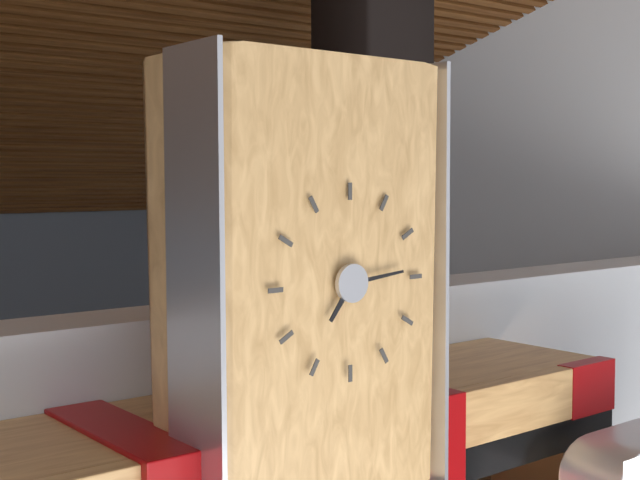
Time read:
h=7 m=14
